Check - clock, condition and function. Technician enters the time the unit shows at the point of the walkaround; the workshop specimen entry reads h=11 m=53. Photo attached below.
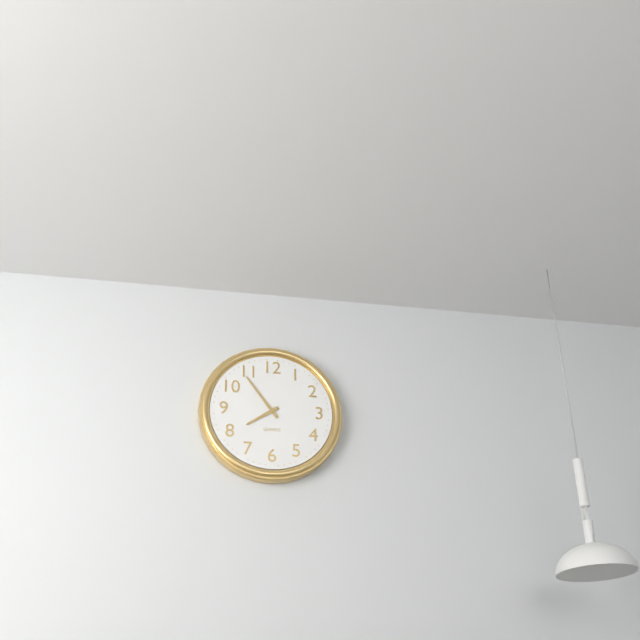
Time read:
h=7 m=54
